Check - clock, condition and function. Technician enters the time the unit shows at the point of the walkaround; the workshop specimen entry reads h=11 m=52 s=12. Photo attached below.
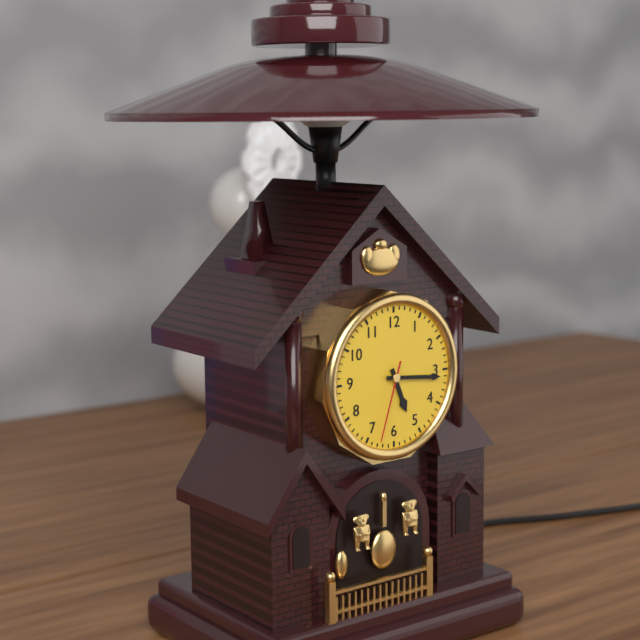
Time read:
h=5 m=16 s=33
